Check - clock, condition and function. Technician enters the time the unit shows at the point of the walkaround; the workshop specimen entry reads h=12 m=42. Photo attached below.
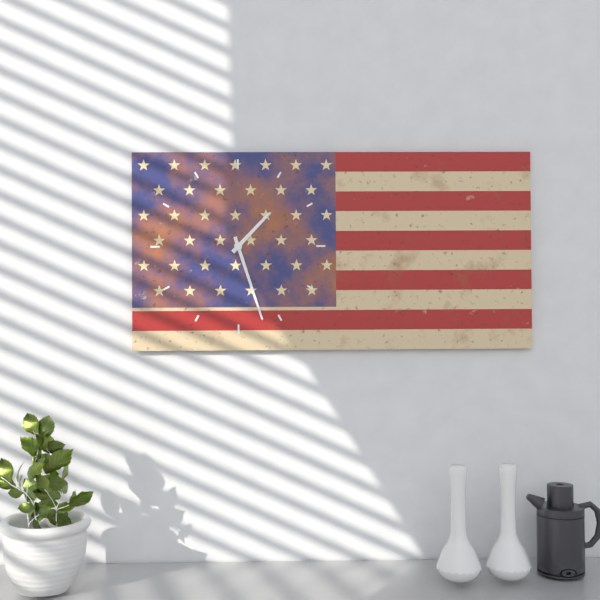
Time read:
h=1 m=27
